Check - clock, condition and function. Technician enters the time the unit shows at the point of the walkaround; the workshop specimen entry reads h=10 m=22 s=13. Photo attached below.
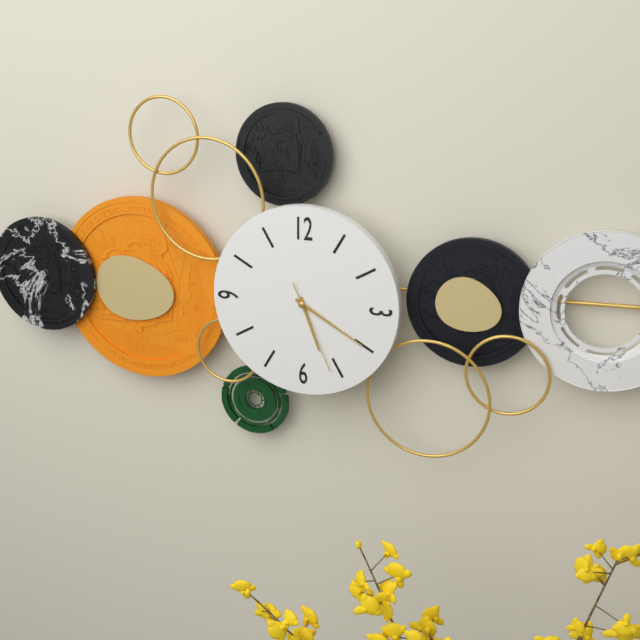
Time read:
h=5 m=20 s=26
